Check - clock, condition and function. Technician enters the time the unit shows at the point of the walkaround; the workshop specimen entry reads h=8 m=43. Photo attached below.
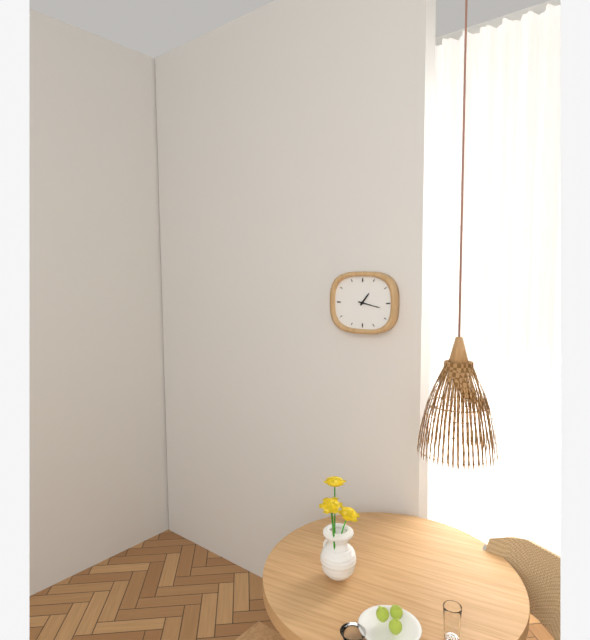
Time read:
h=1 m=17
